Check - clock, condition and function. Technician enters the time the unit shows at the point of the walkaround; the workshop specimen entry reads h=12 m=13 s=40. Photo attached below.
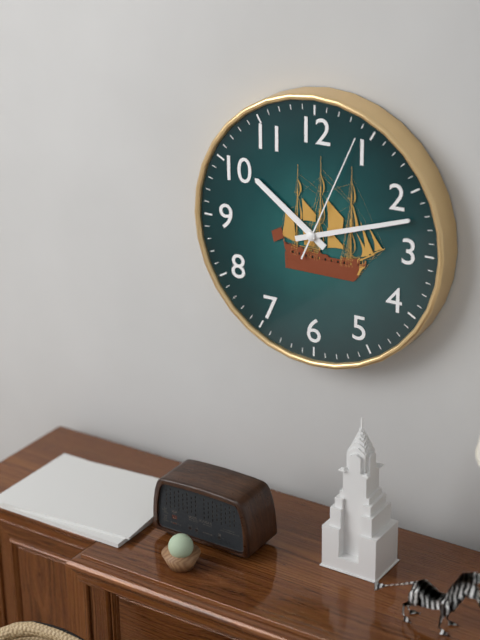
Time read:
h=10 m=12 s=4
